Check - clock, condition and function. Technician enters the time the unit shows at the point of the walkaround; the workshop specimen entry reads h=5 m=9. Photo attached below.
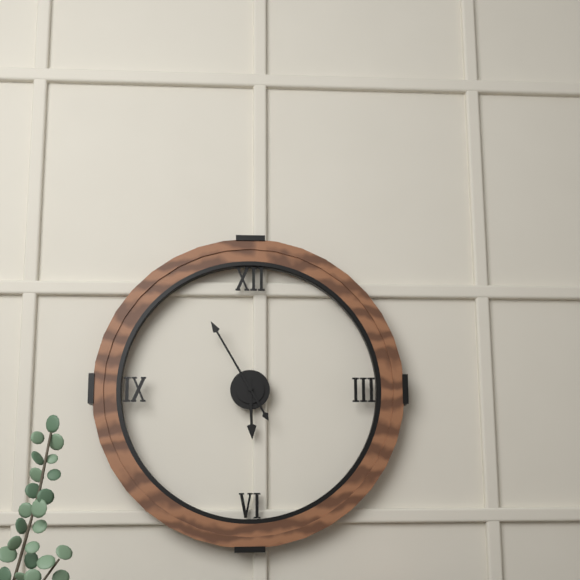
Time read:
h=5 m=55
